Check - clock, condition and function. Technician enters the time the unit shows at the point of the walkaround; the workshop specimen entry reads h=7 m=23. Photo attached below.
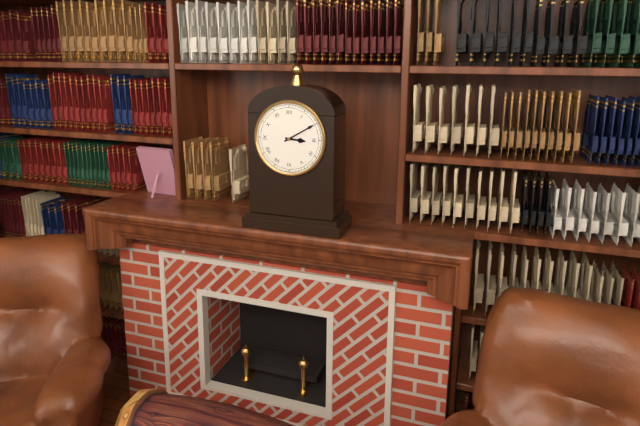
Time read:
h=3 m=10
